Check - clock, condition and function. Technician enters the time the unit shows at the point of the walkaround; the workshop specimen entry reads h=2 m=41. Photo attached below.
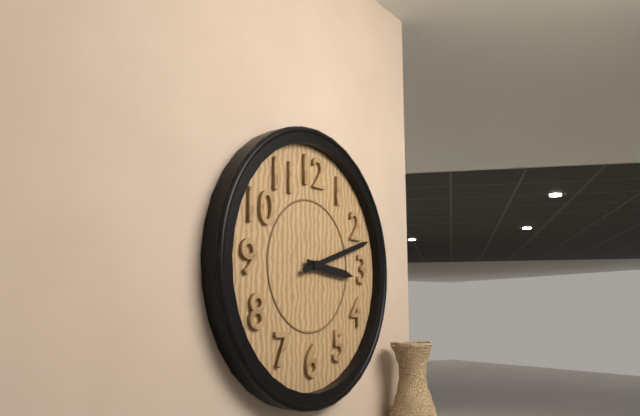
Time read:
h=3 m=12
